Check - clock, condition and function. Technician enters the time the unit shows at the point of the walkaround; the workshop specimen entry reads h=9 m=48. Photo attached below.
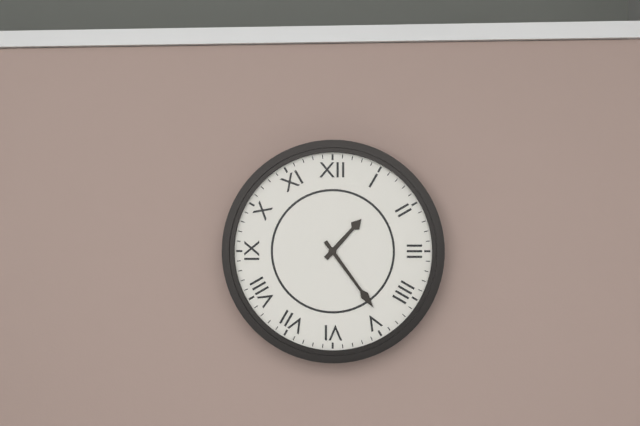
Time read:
h=1 m=24
